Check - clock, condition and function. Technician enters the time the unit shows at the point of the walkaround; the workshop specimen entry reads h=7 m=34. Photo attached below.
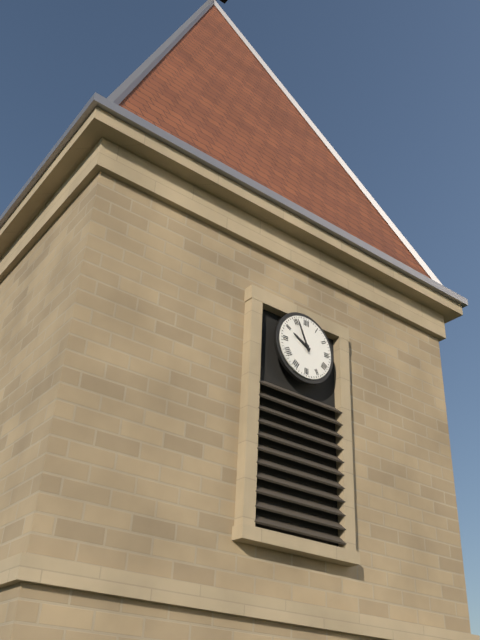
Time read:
h=9 m=56
